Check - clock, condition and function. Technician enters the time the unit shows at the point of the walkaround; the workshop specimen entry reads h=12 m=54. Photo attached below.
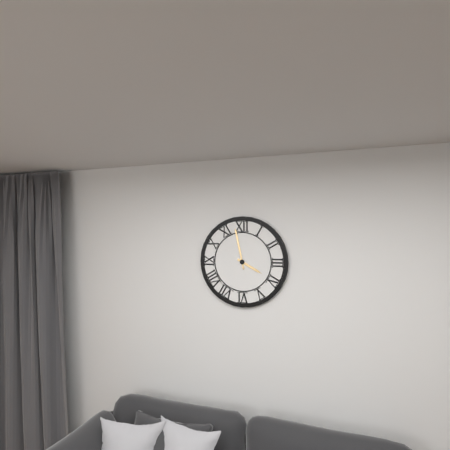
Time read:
h=3 m=58
